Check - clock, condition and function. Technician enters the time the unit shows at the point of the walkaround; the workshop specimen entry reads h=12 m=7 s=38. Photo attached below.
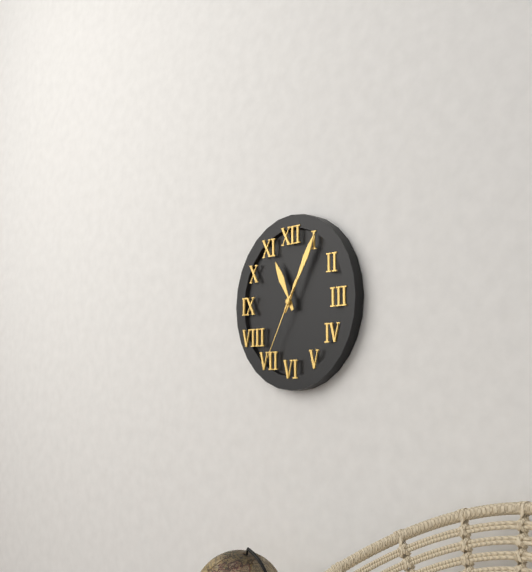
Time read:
h=11 m=5 s=35
